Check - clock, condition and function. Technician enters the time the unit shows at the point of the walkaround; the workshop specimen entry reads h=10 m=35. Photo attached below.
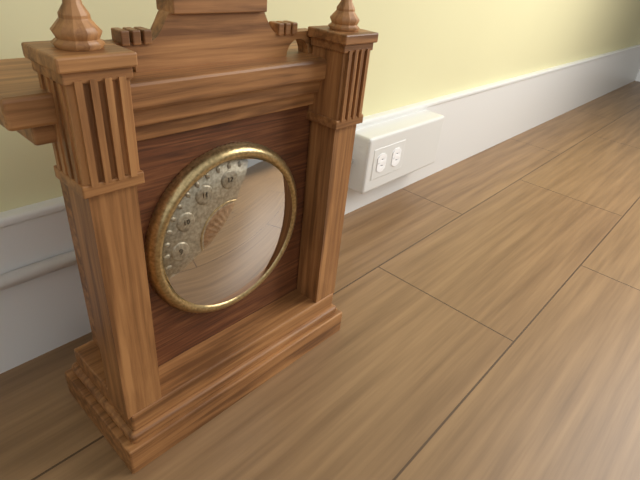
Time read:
h=4 m=41
